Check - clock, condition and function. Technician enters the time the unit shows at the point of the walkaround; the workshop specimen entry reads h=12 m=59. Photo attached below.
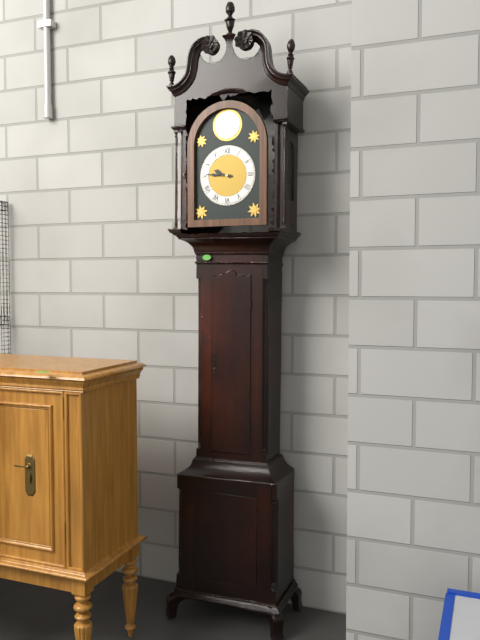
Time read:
h=9 m=46
